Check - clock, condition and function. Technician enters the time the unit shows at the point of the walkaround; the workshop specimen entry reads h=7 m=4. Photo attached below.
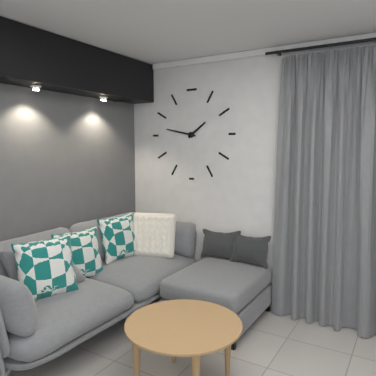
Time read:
h=1 m=47
